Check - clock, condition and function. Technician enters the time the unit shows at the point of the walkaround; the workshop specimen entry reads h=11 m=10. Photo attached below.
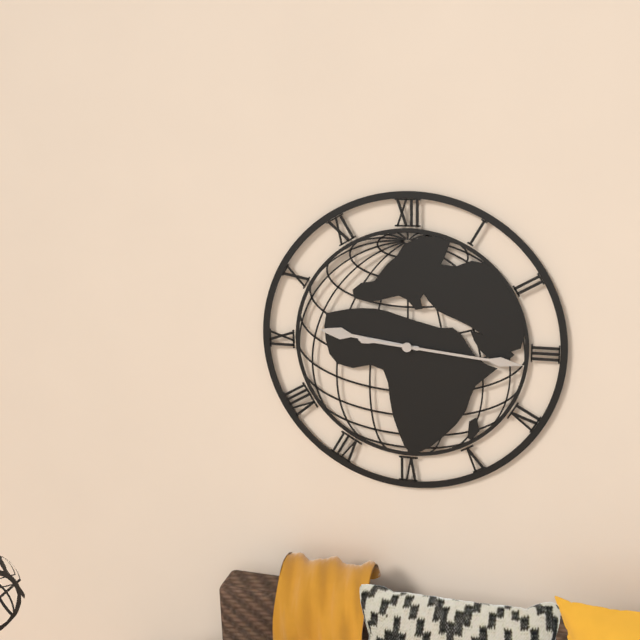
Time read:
h=9 m=16
